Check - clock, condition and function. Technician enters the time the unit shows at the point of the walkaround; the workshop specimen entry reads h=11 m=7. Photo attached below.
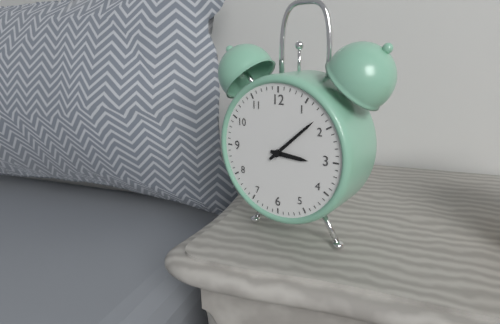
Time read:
h=3 m=8
